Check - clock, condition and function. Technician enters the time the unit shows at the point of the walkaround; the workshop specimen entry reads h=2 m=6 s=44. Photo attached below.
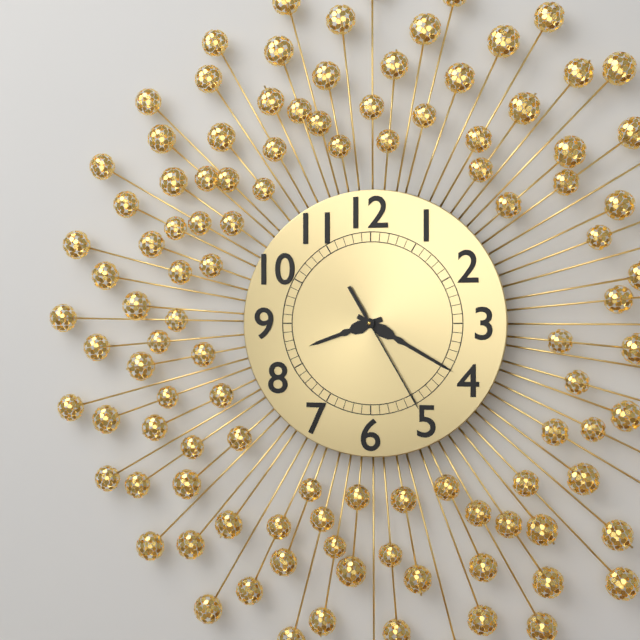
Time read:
h=8 m=20 s=25
